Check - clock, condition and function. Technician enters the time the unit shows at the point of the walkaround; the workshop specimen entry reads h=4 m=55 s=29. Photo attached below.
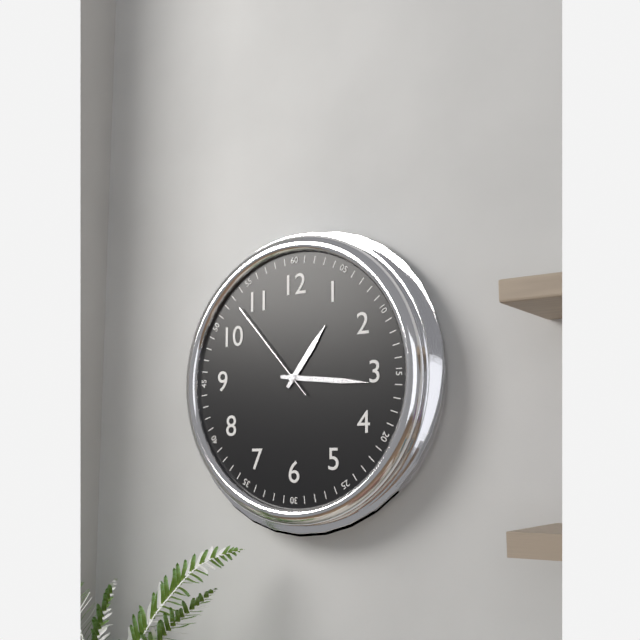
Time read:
h=1 m=16 s=53
